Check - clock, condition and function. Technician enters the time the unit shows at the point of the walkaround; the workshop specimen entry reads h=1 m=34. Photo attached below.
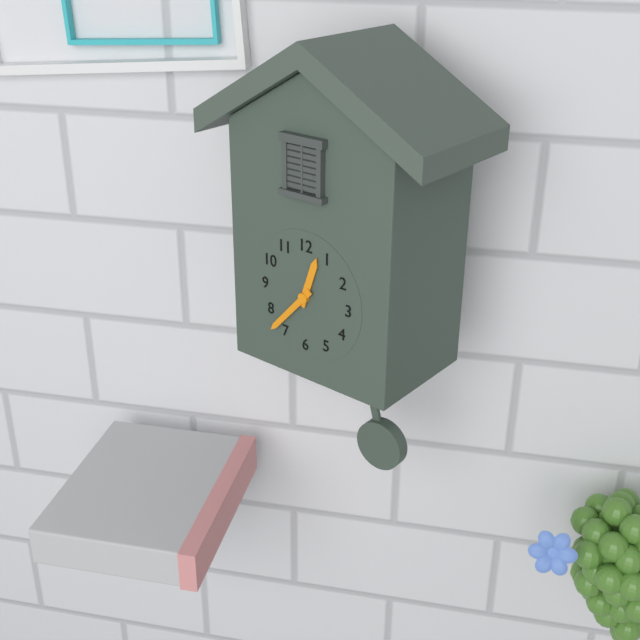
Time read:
h=12 m=37
